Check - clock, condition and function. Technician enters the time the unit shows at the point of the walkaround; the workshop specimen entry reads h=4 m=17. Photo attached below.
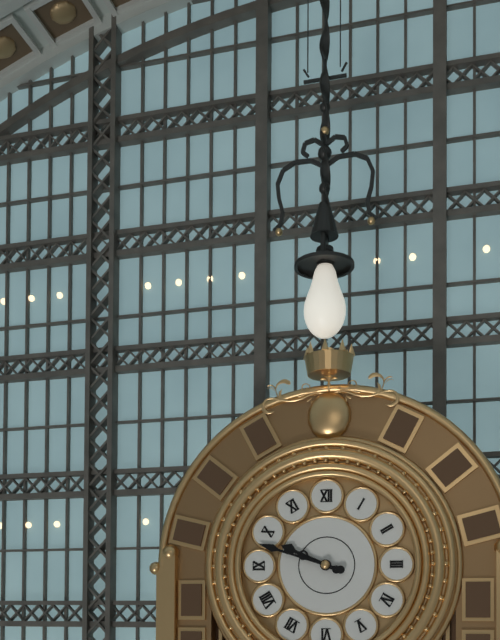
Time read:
h=9 m=48
